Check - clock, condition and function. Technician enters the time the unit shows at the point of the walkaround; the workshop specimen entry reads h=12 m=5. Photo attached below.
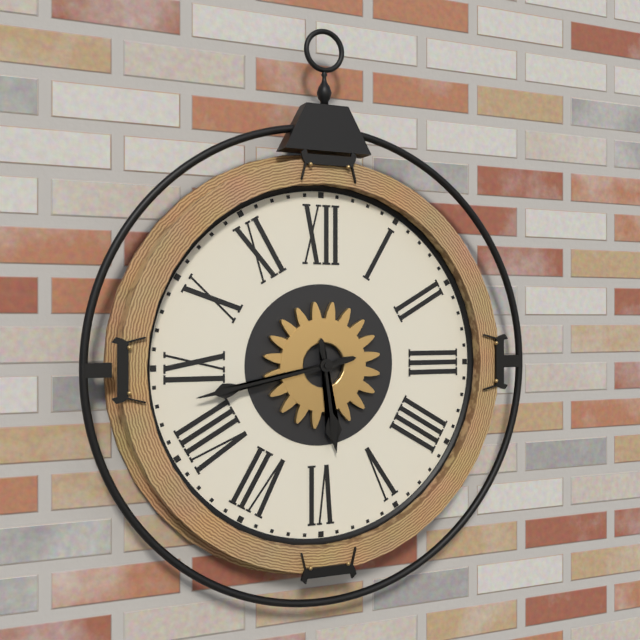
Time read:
h=5 m=43
